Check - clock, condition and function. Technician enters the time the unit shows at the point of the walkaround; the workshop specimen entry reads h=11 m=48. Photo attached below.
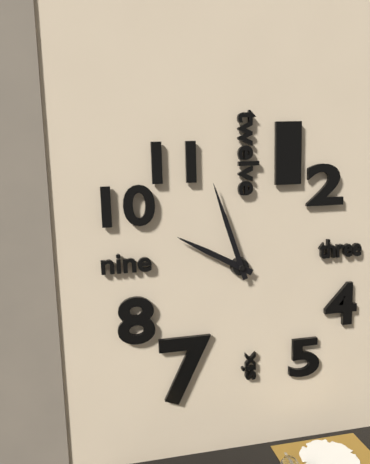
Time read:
h=9 m=57
